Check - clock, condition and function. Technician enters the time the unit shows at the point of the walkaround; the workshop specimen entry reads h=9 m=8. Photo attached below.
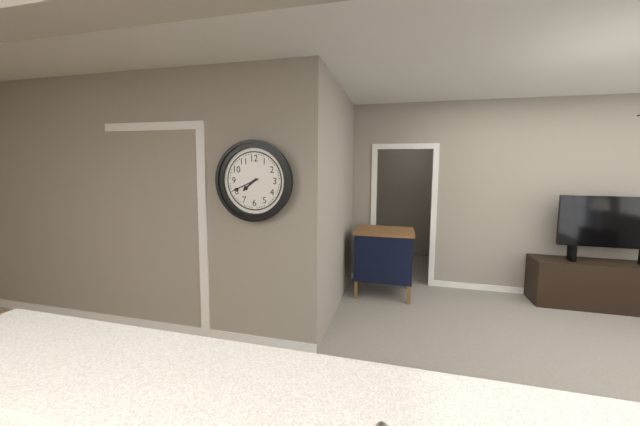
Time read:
h=7 m=41
